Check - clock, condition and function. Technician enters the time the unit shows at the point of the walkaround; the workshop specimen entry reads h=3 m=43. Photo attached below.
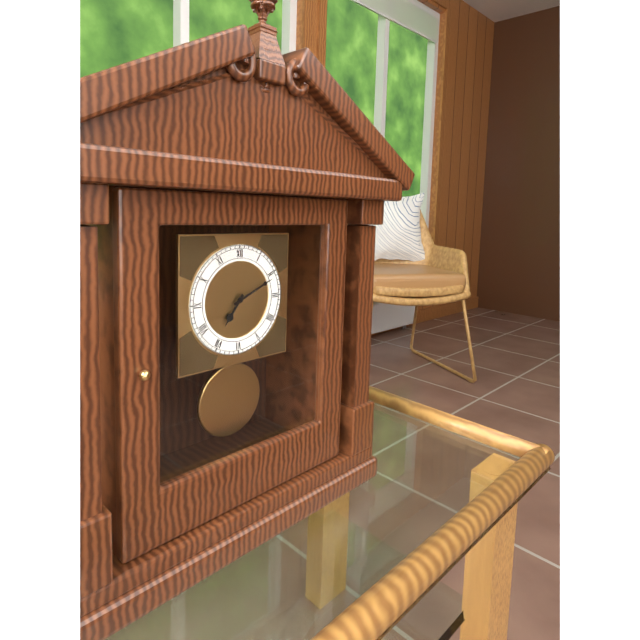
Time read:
h=7 m=11
